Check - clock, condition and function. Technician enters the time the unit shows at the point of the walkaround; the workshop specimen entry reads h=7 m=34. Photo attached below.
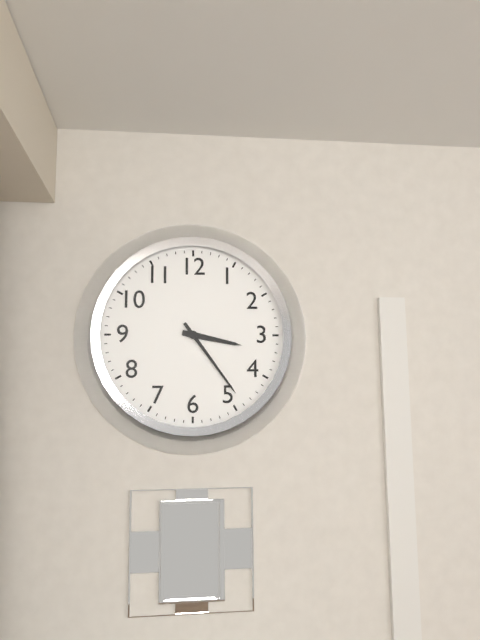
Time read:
h=3 m=24
